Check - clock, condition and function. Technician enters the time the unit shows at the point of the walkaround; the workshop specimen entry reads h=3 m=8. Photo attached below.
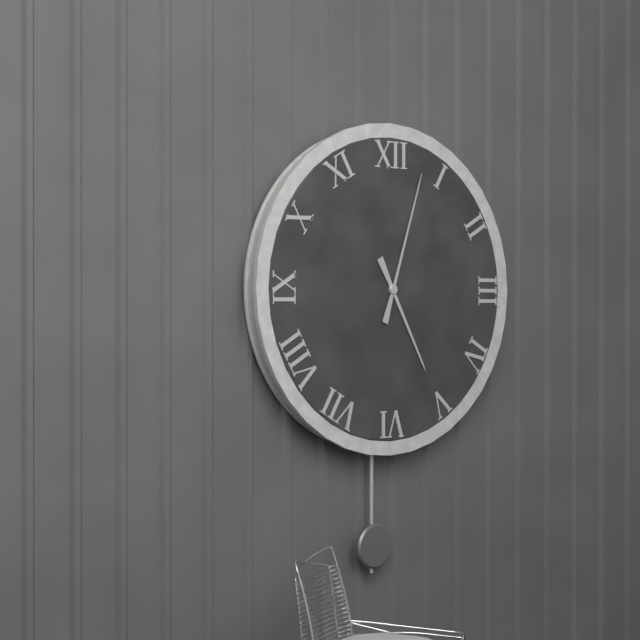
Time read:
h=5 m=3
